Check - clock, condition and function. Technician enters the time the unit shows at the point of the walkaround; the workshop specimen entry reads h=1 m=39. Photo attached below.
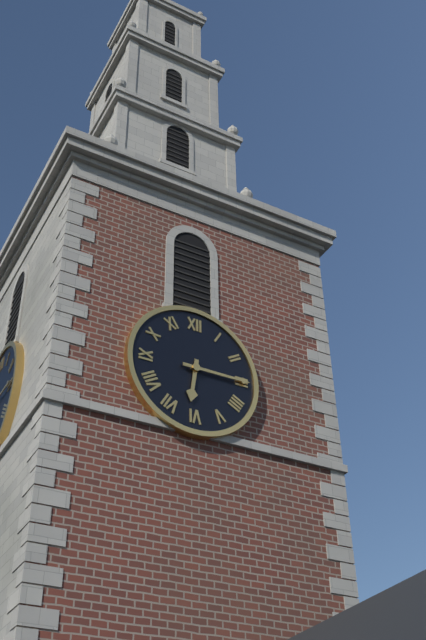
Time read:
h=6 m=15
